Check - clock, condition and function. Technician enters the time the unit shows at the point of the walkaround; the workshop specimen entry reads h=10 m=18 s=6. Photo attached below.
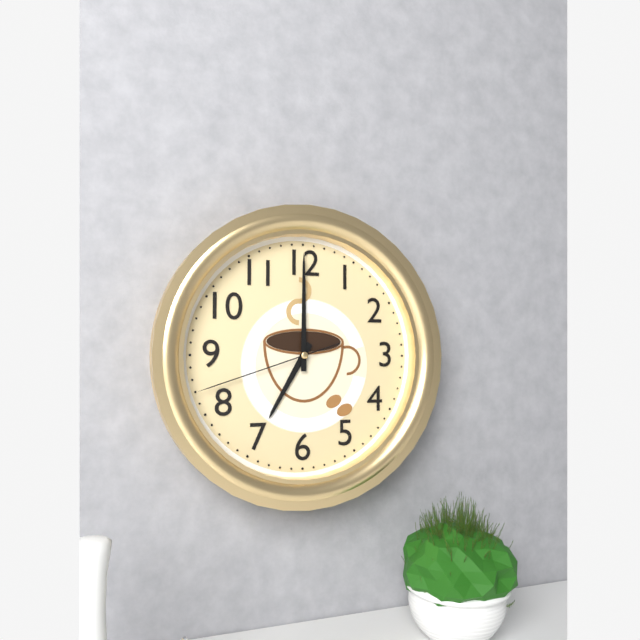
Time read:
h=7 m=0 s=42
